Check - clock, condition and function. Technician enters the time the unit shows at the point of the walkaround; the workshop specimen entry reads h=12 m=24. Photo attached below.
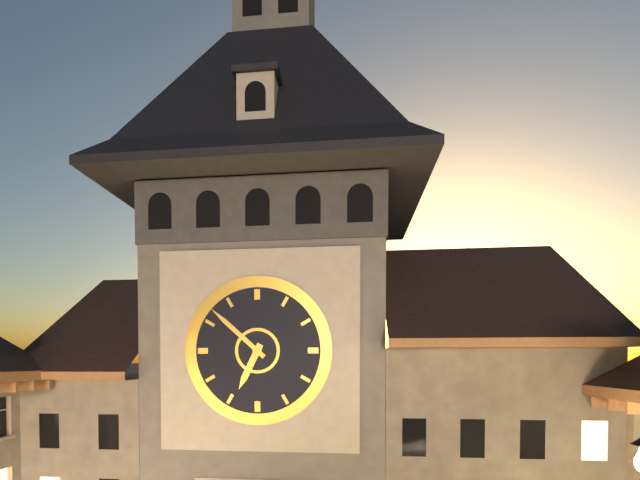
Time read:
h=6 m=52
